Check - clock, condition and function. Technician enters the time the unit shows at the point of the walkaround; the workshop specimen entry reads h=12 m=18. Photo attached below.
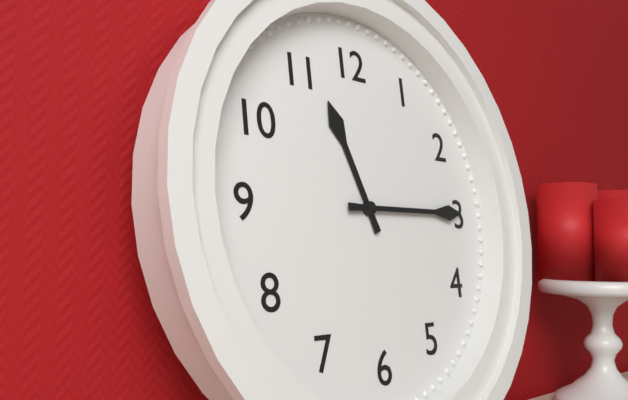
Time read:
h=11 m=15
